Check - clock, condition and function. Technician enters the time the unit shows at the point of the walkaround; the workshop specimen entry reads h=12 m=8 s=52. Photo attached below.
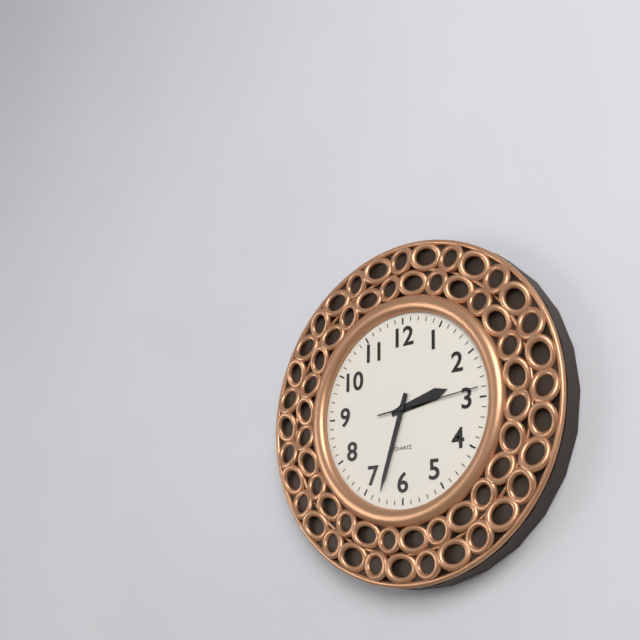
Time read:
h=2 m=33 s=14
